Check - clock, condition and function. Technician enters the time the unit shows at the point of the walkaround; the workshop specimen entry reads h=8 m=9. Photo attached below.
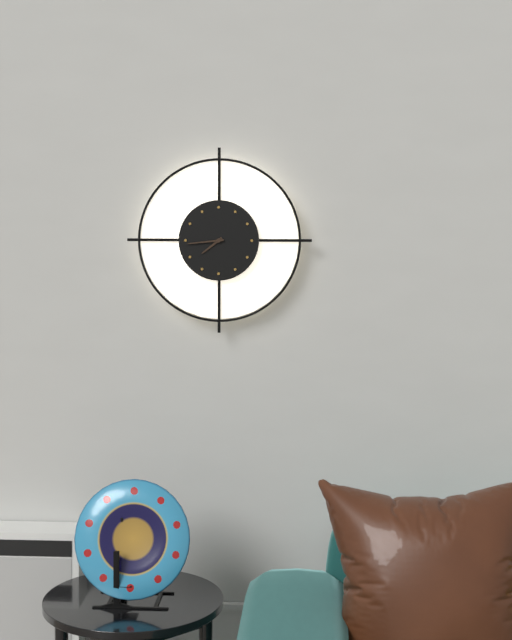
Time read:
h=7 m=44
